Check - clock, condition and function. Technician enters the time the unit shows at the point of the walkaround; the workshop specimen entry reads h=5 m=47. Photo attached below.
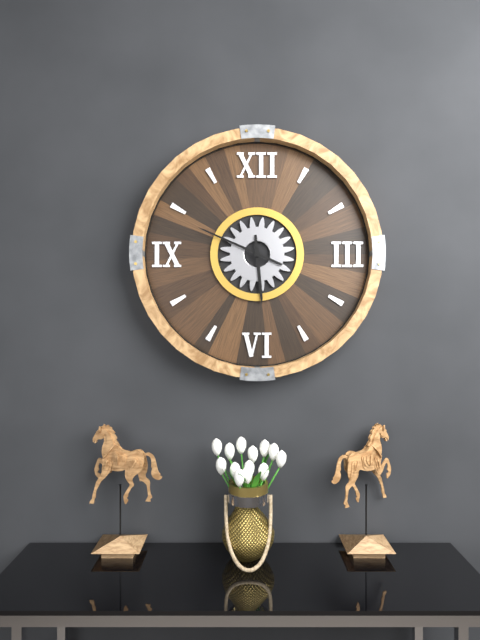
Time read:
h=5 m=49
